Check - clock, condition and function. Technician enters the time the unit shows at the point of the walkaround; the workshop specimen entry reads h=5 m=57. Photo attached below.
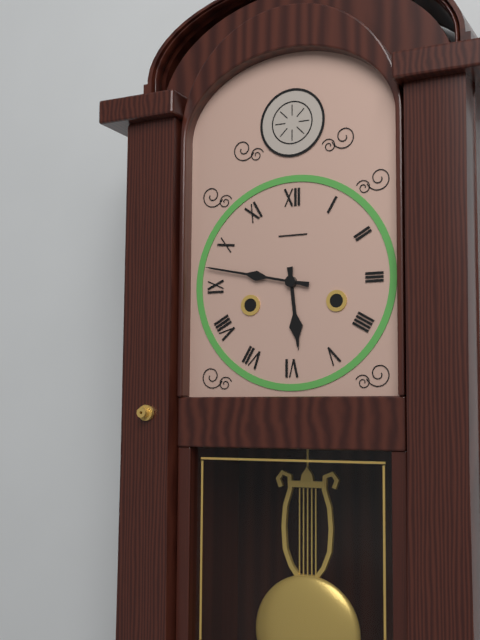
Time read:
h=5 m=47
